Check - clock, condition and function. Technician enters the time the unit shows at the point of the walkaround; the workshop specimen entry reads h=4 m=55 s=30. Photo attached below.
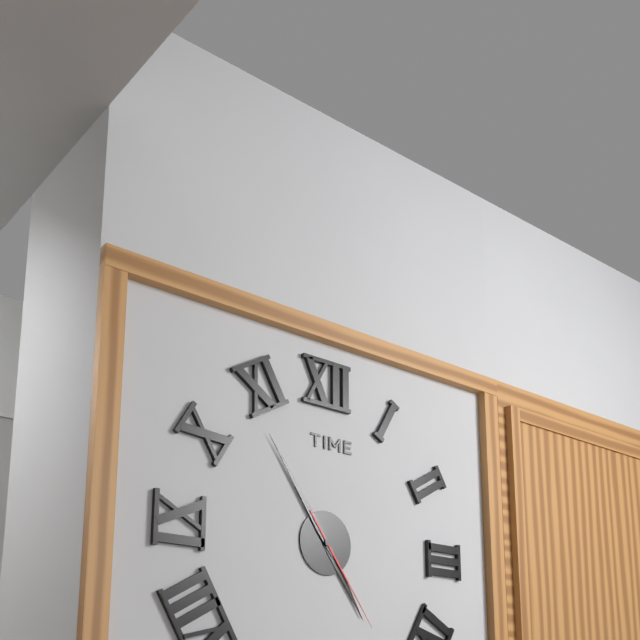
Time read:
h=4 m=54 s=24
